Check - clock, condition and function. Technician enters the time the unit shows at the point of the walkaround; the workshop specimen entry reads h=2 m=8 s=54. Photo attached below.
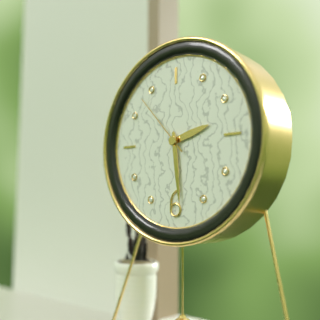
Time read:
h=2 m=29 s=53
